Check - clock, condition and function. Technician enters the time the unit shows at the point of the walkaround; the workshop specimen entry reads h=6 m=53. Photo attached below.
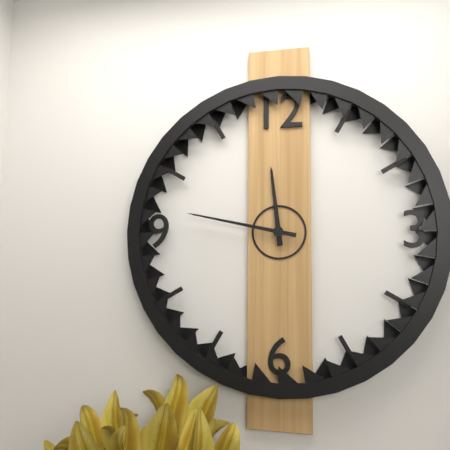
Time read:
h=11 m=47
